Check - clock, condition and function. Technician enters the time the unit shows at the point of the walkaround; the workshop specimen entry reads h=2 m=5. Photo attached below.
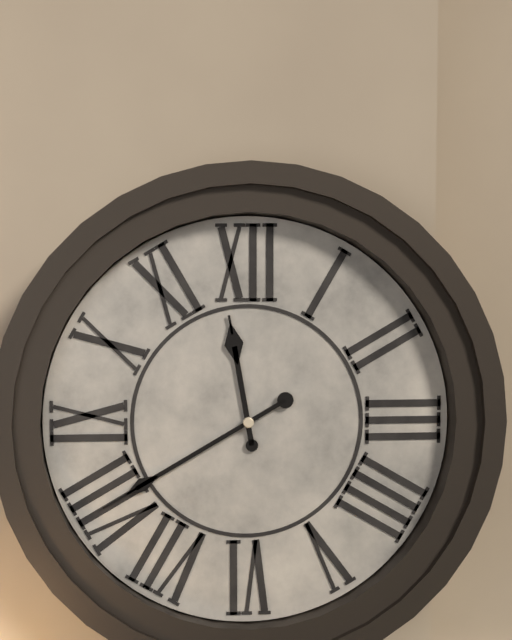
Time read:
h=11 m=40
